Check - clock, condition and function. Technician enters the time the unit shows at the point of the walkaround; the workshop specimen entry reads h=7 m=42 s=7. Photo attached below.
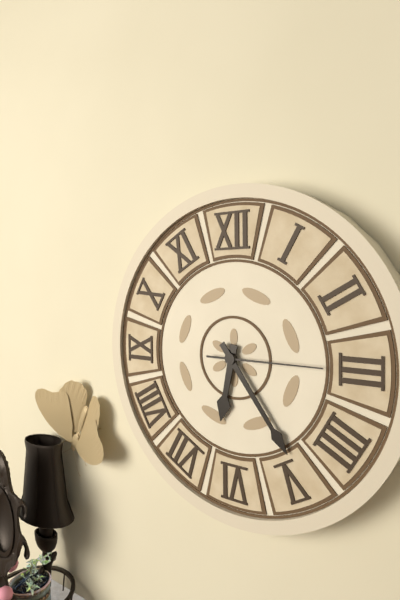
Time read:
h=6 m=24 s=15
